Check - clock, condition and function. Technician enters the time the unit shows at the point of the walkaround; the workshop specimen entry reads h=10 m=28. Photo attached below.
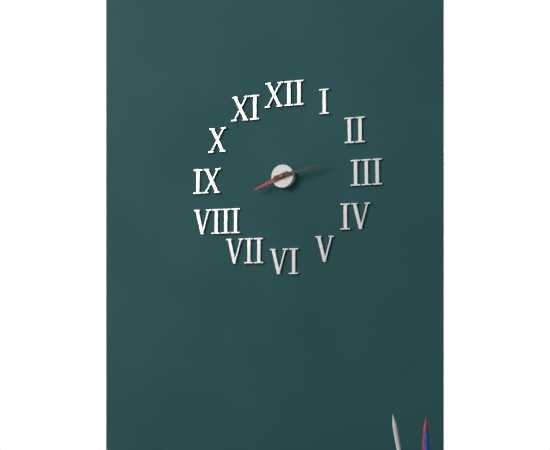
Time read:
h=8 m=13
